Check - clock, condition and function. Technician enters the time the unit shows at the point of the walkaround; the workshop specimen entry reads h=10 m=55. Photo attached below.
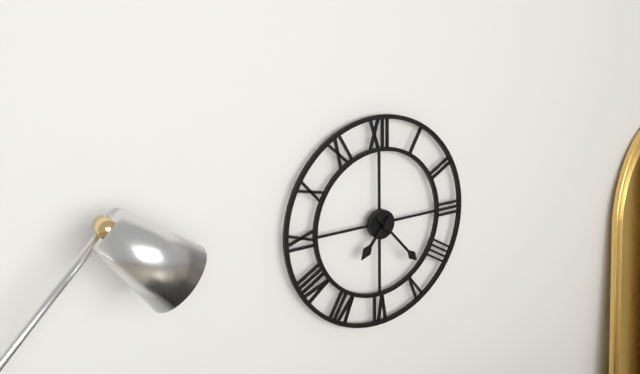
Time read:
h=7 m=23
